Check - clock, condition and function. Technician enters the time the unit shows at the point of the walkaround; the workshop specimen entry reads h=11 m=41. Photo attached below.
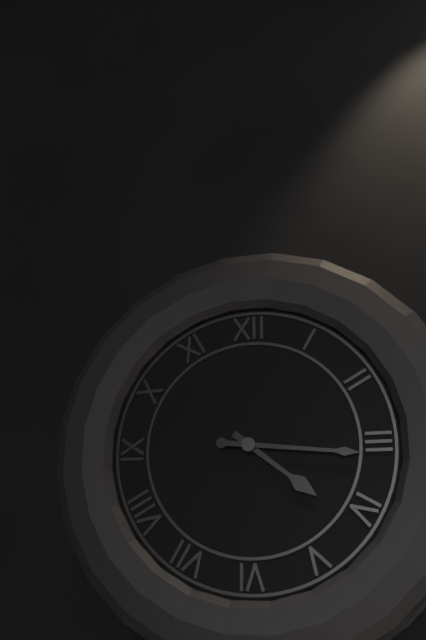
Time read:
h=4 m=16
